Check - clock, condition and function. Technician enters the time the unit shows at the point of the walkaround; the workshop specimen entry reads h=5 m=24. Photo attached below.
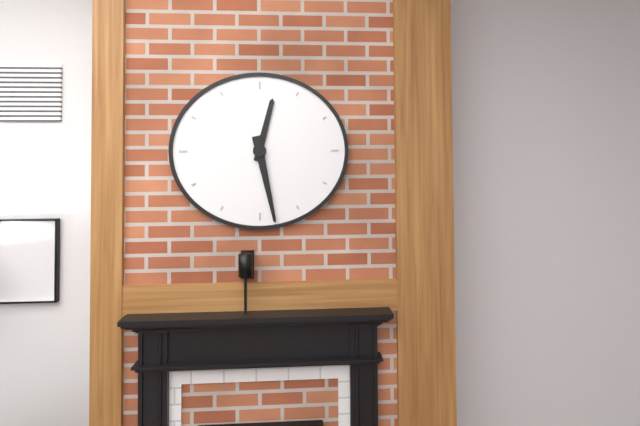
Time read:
h=12 m=28
